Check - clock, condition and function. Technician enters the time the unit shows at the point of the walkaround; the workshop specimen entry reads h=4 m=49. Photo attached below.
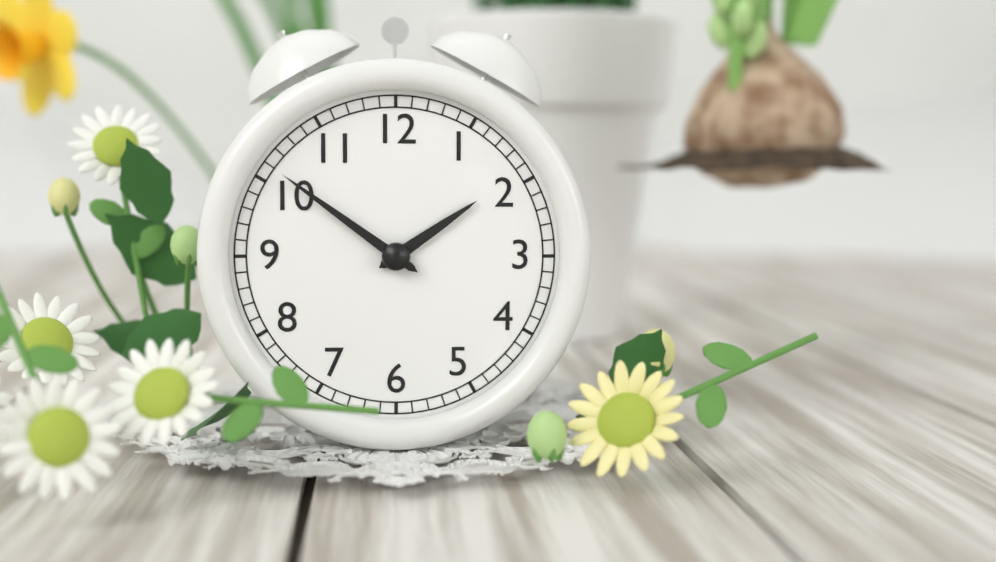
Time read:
h=1 m=51
